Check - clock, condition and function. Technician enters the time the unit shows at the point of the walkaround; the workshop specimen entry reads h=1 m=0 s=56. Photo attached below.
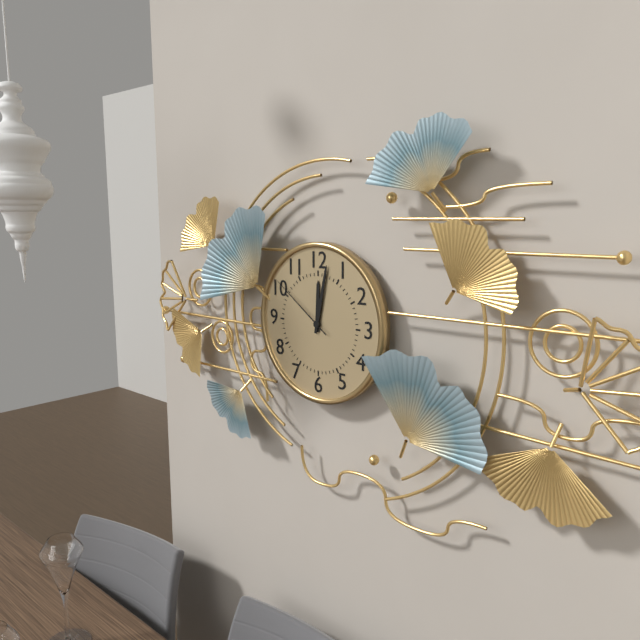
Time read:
h=12 m=2 s=51
